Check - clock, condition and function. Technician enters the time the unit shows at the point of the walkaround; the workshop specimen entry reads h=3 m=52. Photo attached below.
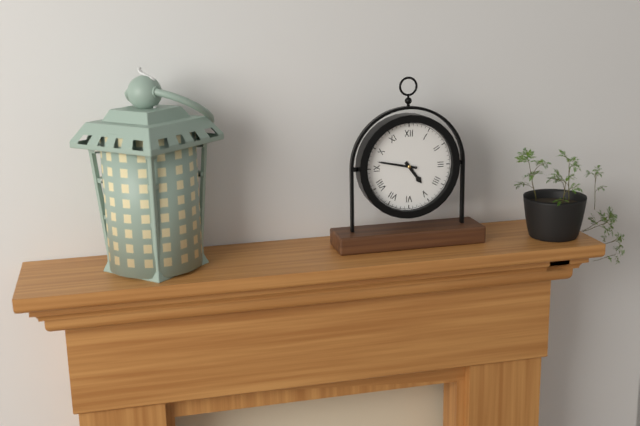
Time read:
h=4 m=47
